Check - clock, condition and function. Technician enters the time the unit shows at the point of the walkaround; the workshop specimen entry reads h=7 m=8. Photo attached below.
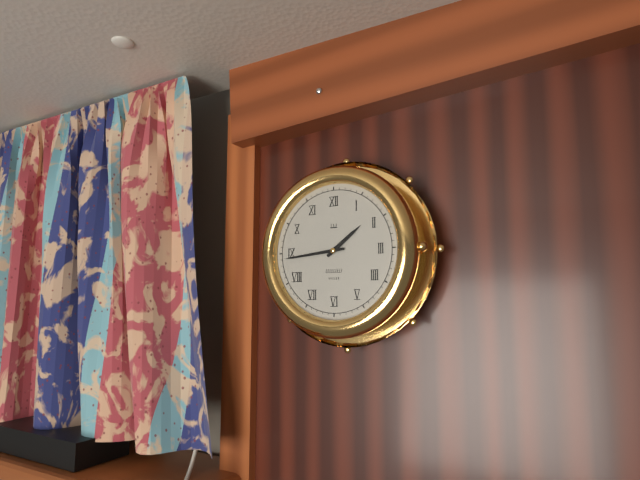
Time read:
h=1 m=44
